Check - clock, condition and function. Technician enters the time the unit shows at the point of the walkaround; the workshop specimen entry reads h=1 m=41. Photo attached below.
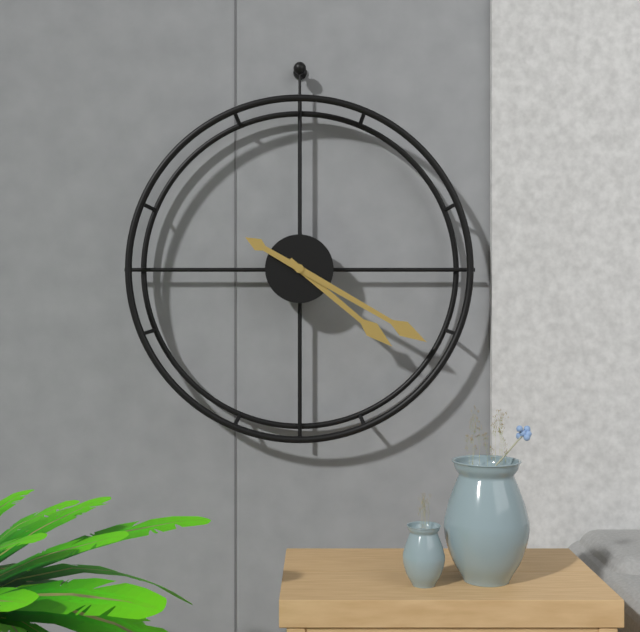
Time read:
h=4 m=20
